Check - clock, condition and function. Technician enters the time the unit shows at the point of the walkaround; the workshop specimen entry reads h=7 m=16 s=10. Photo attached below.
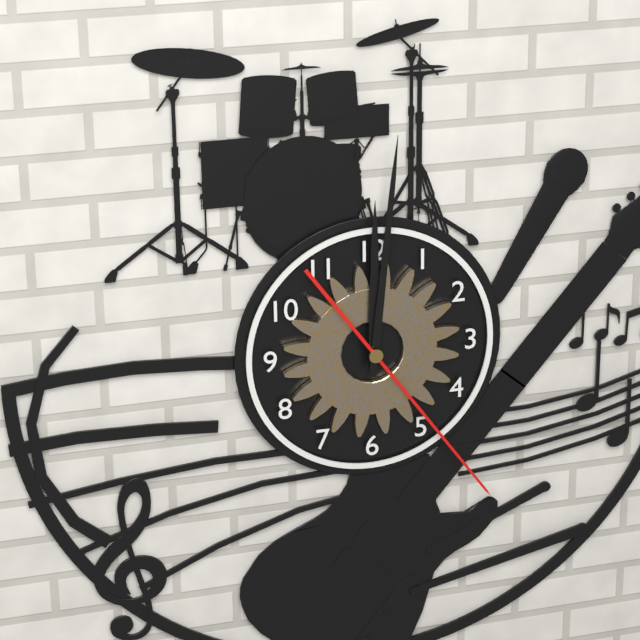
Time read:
h=12 m=1 s=24
